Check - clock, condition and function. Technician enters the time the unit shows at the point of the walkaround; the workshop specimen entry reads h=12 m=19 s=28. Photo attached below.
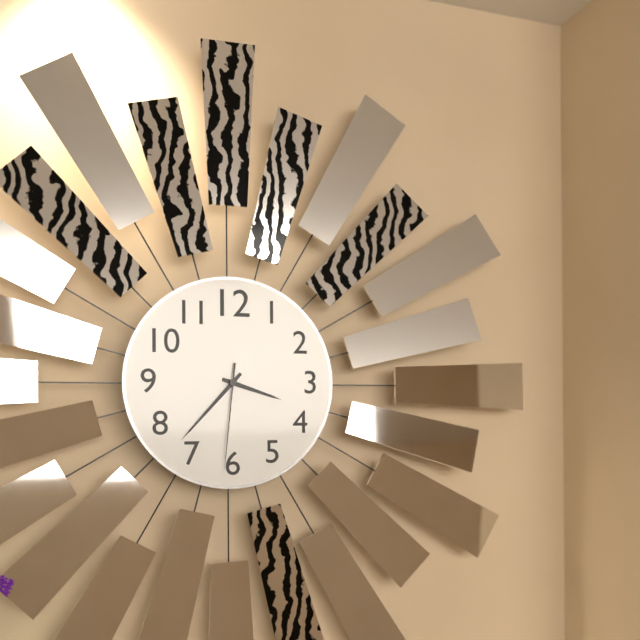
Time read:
h=3 m=37 s=31
